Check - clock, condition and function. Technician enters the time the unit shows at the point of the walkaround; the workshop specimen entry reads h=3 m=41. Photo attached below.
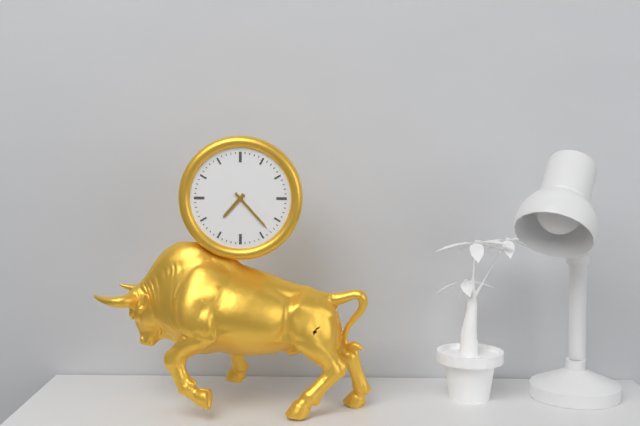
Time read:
h=7 m=23
